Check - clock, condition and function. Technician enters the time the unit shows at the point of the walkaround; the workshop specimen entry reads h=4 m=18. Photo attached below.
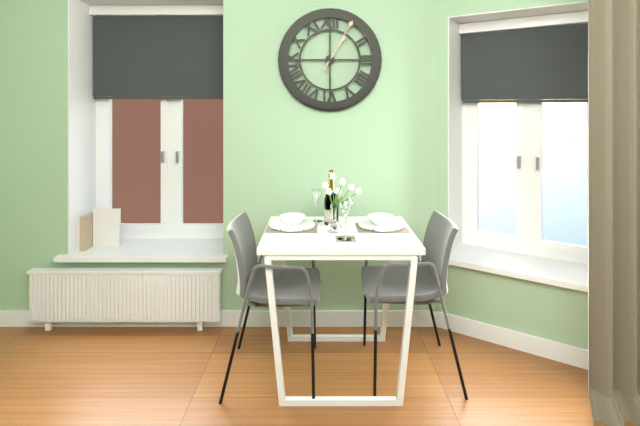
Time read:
h=1 m=5
